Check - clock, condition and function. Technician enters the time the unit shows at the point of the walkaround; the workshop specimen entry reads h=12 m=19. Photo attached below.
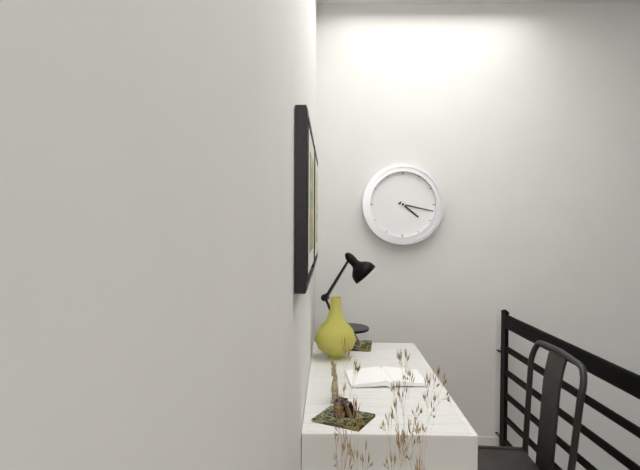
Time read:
h=4 m=17
